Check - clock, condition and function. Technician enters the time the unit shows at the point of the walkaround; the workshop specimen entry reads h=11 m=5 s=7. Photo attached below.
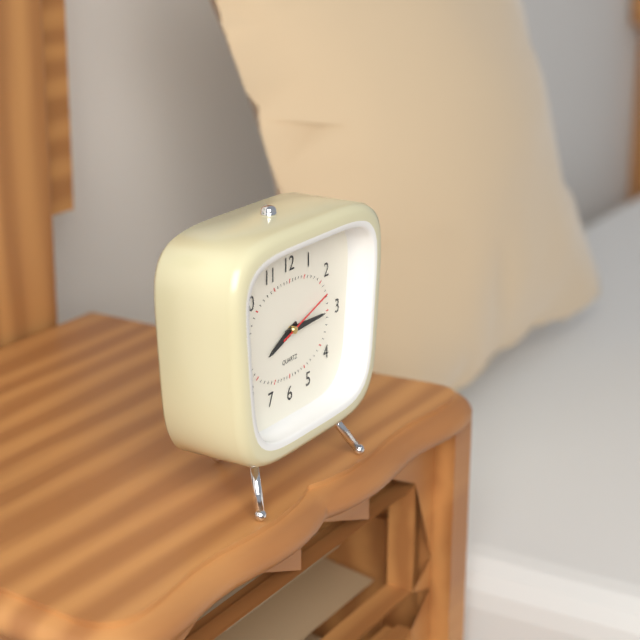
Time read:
h=8 m=15 s=12
